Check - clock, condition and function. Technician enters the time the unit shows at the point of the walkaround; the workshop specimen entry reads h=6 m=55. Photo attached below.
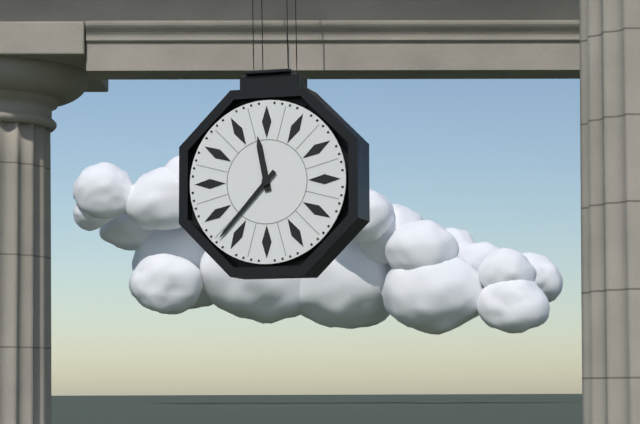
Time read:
h=11 m=37
